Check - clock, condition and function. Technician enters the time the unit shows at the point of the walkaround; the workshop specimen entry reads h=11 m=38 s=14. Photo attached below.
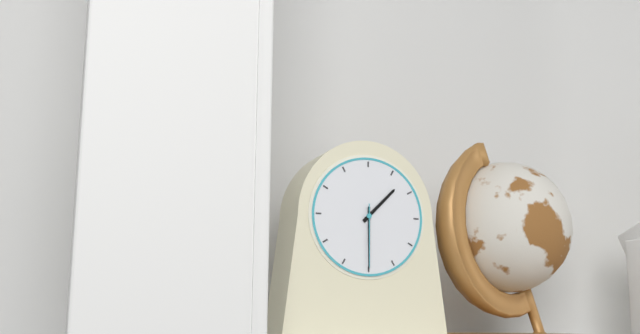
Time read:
h=1 m=30 s=30
